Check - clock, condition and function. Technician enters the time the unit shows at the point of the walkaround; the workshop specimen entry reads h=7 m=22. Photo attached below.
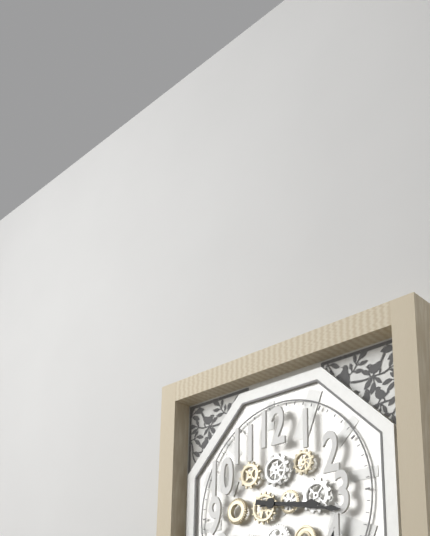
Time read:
h=3 m=17
